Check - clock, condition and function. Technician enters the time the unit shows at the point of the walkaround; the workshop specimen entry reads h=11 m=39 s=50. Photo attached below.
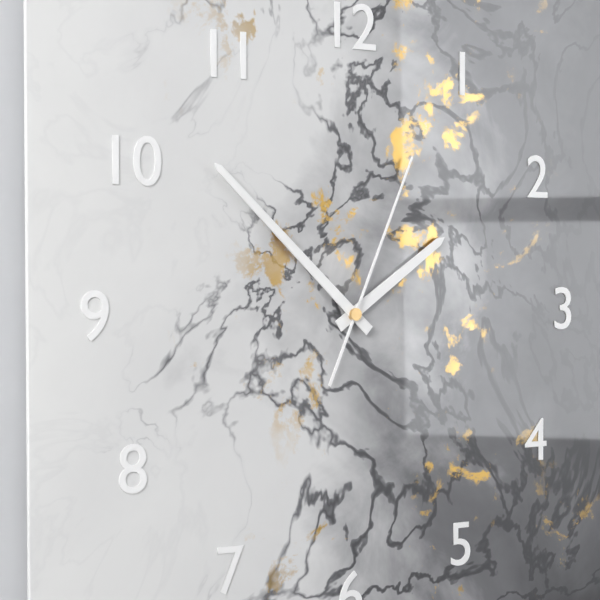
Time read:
h=1 m=52 s=4
